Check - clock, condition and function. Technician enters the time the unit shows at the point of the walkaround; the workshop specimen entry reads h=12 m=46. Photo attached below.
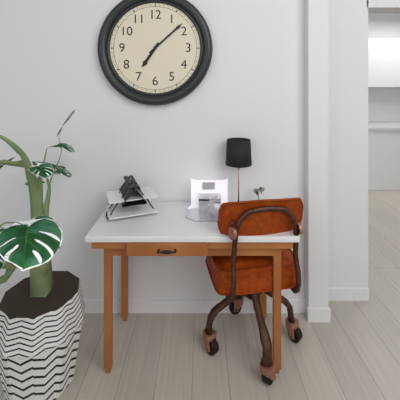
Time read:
h=7 m=8
